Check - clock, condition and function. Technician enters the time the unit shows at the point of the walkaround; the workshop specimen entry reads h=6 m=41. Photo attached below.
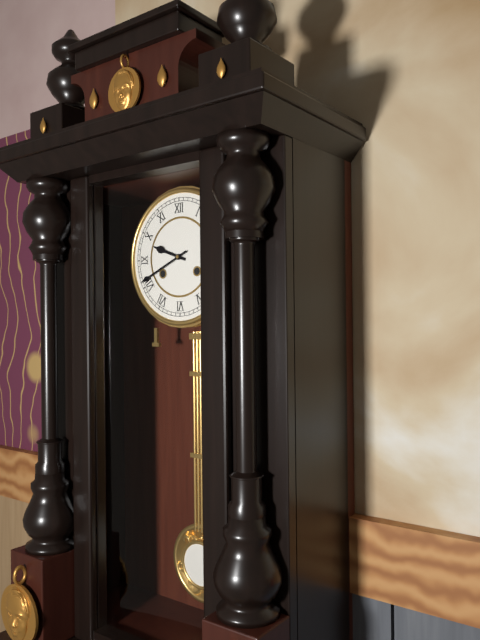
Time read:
h=9 m=41
